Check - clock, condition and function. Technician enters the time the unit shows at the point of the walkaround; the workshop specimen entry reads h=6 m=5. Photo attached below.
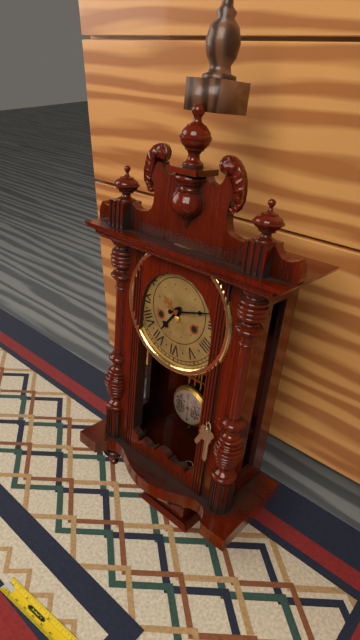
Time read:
h=7 m=12
